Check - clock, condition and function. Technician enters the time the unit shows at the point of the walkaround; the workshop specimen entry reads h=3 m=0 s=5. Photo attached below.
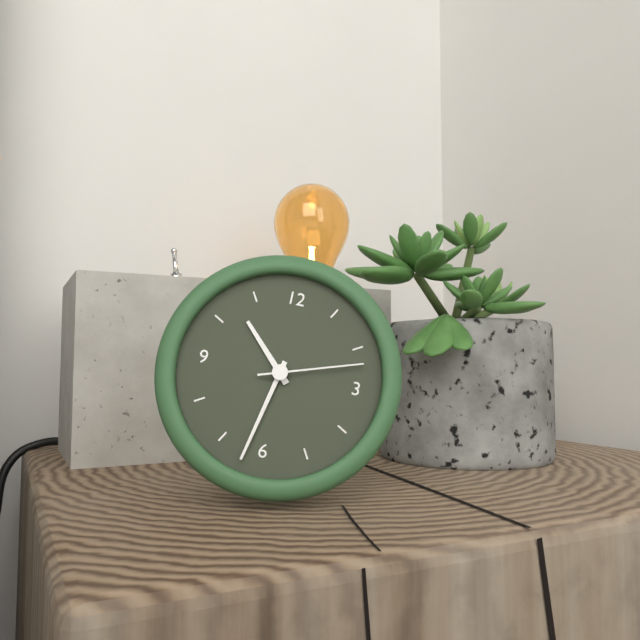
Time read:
h=10 m=32 s=12
